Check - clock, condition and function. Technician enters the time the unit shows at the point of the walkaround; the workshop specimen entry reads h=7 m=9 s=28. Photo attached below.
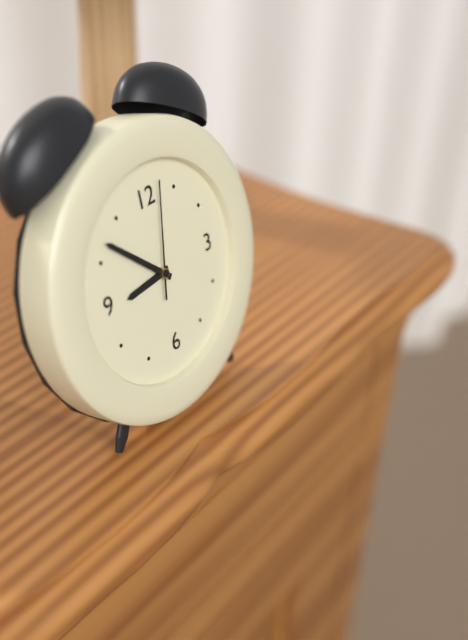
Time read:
h=8 m=52 s=2
